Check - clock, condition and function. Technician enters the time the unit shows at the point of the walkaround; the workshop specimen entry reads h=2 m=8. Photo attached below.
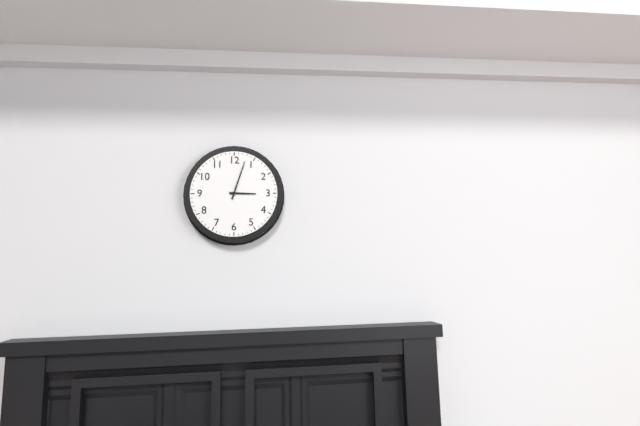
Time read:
h=3 m=3
